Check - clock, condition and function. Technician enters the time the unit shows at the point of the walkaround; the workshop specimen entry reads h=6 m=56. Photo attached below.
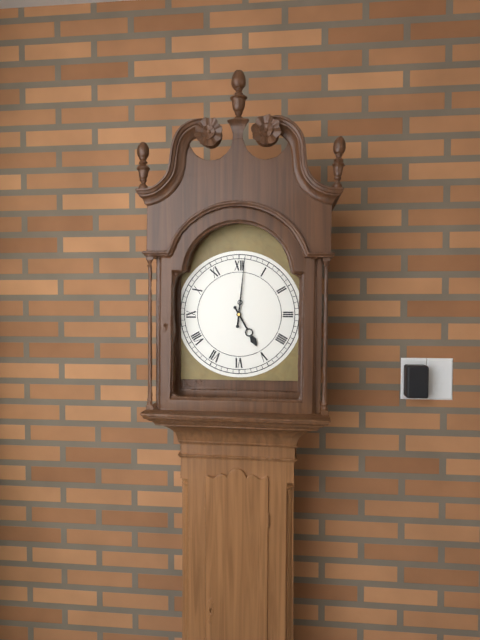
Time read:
h=5 m=1
